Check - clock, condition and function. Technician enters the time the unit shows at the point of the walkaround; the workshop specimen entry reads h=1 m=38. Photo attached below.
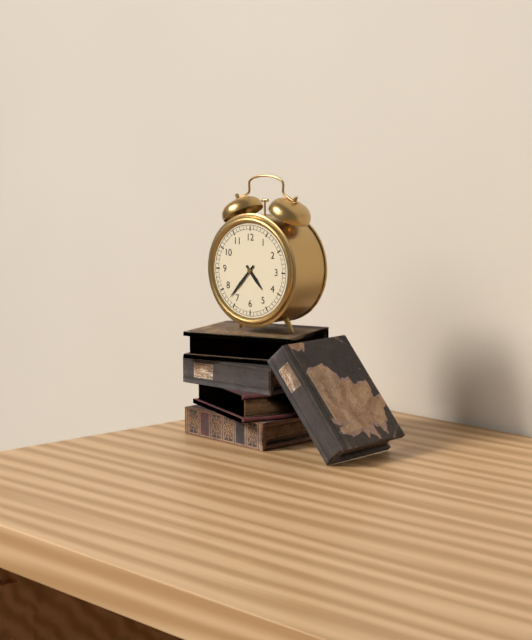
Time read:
h=4 m=37
